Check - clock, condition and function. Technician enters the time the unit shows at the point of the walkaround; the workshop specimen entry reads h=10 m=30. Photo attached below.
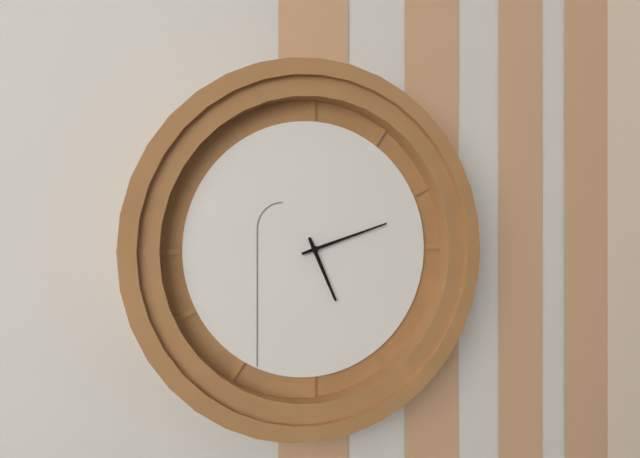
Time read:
h=5 m=12
